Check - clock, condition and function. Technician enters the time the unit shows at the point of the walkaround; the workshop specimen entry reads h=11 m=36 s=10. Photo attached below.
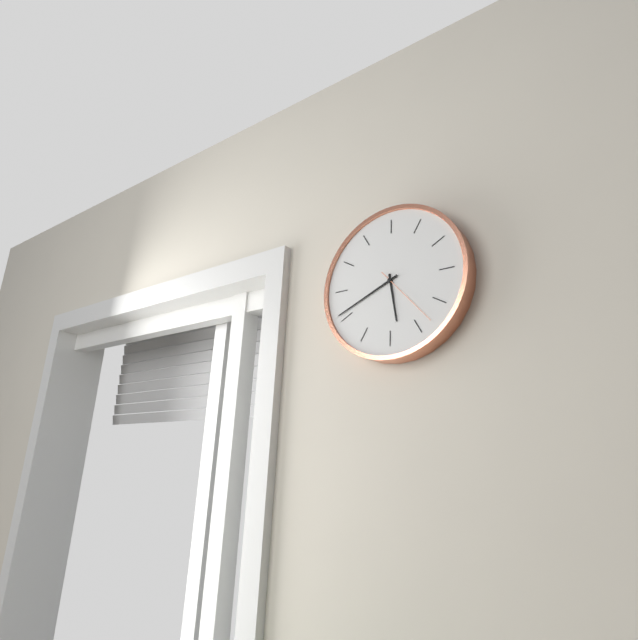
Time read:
h=5 m=41 s=23
